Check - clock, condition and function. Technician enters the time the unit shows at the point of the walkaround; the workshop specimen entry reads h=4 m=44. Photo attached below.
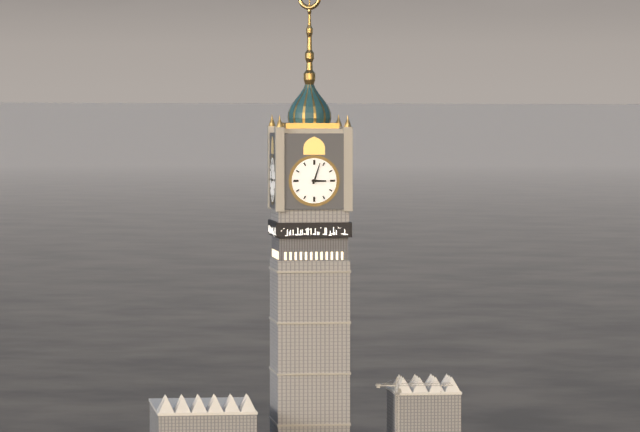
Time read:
h=3 m=3
